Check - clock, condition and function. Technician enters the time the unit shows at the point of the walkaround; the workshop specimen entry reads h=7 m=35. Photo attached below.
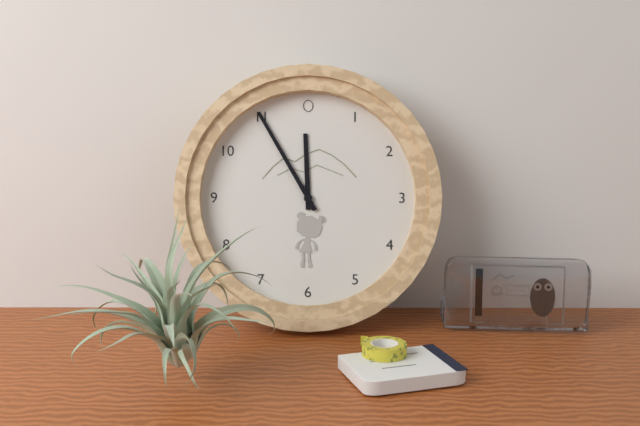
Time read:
h=11 m=55
